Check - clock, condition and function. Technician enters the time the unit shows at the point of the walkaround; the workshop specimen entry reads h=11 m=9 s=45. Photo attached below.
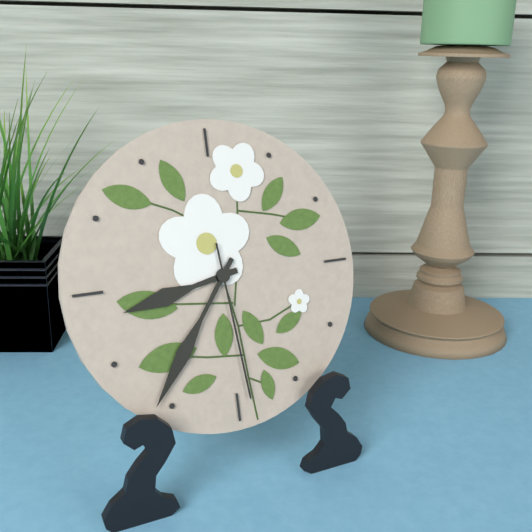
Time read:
h=8 m=36 s=29
